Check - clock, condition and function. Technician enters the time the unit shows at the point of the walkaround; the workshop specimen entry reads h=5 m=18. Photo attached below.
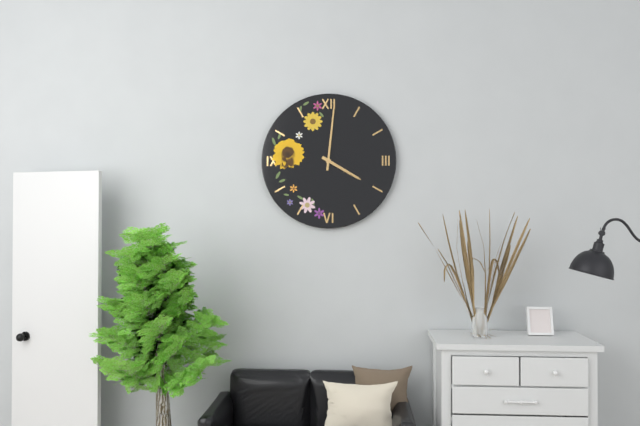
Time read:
h=4 m=1
